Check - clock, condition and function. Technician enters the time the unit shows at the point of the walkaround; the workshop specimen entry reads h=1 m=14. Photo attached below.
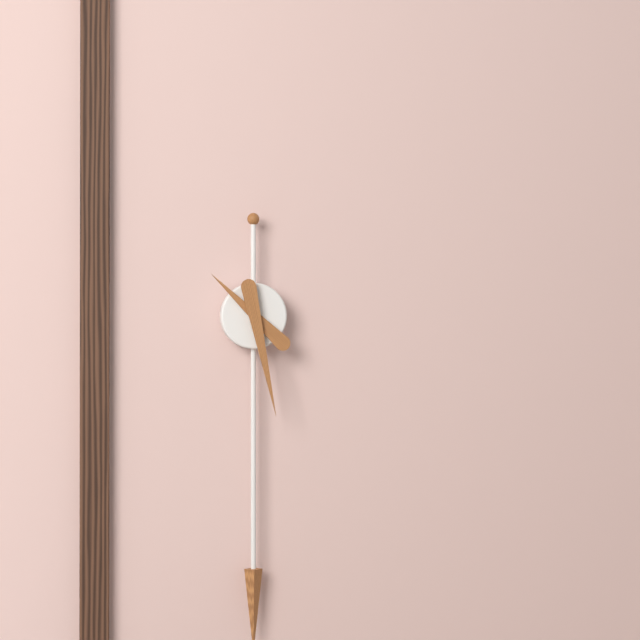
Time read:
h=10 m=28
